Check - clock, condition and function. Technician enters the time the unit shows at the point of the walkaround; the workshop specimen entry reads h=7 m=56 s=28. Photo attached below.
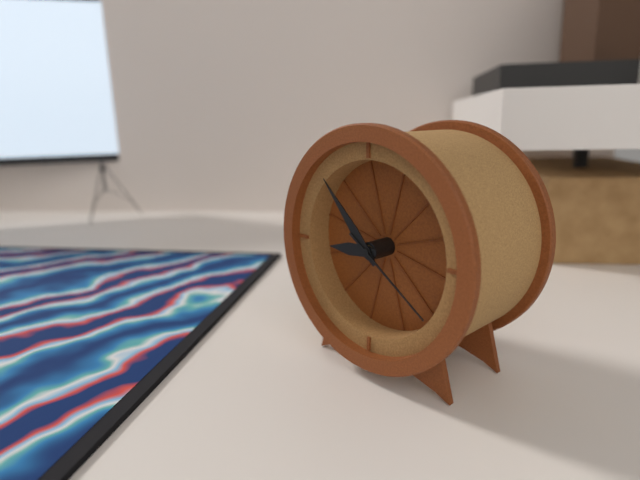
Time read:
h=8 m=53 s=21
